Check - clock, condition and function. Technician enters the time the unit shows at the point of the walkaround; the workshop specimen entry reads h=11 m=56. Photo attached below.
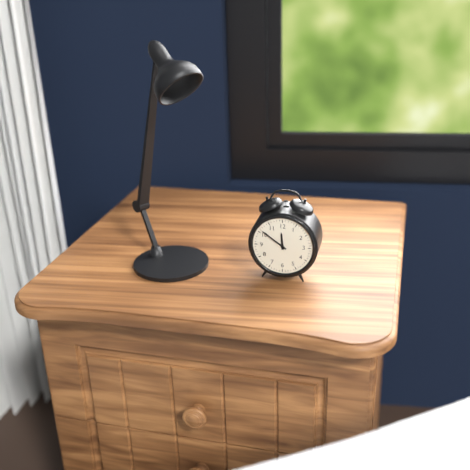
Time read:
h=11 m=51
